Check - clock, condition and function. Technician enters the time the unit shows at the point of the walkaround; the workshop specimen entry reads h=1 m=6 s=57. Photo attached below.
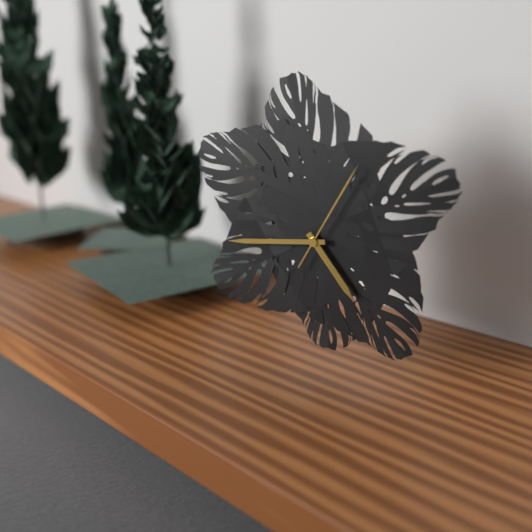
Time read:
h=4 m=44 s=5
